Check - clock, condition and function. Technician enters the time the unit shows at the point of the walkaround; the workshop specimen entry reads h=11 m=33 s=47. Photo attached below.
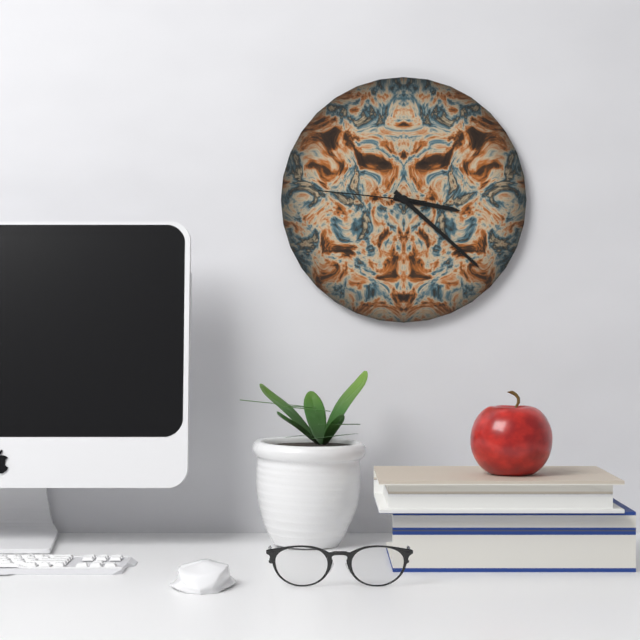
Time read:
h=3 m=22 s=46
